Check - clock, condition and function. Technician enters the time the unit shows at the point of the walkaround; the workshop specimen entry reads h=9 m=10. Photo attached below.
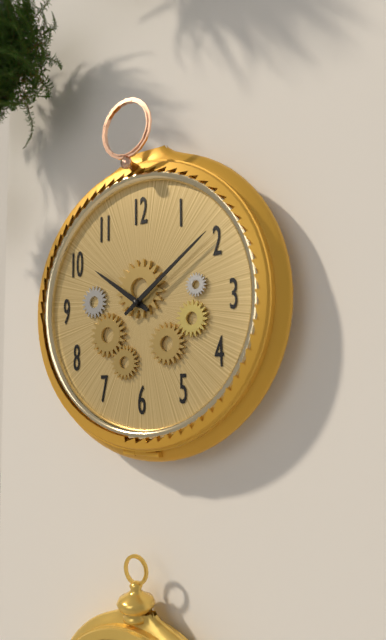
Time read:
h=10 m=9
